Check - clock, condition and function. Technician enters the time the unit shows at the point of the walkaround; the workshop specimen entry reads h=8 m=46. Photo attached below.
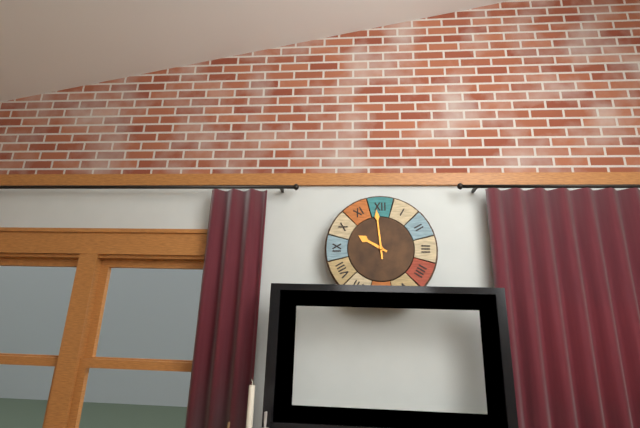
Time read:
h=9 m=59
